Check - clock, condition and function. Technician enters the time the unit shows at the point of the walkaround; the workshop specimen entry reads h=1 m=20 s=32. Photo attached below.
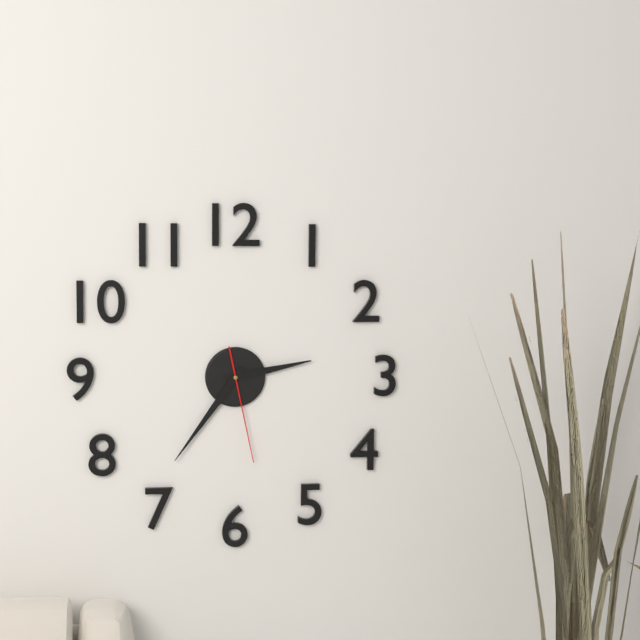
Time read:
h=2 m=36 s=28
